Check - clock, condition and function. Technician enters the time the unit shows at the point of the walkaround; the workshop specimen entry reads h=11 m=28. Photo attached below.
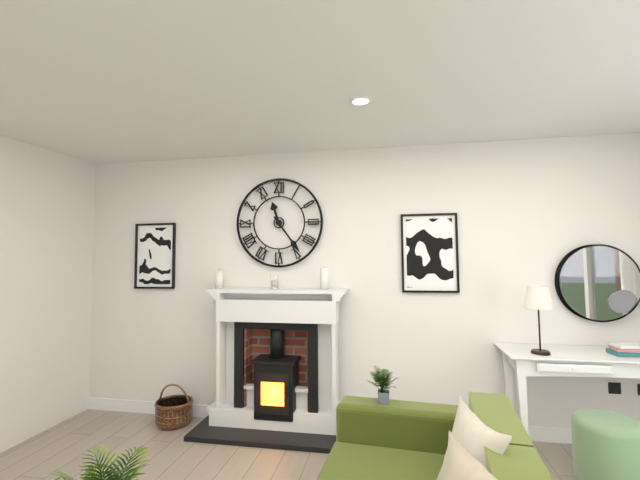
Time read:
h=11 m=24
